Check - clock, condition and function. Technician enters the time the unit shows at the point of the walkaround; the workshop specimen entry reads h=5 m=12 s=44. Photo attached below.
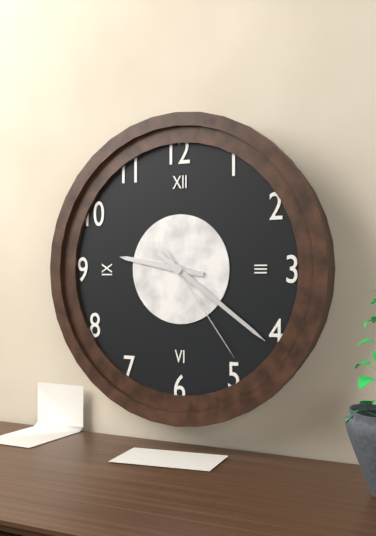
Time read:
h=9 m=21 s=24
